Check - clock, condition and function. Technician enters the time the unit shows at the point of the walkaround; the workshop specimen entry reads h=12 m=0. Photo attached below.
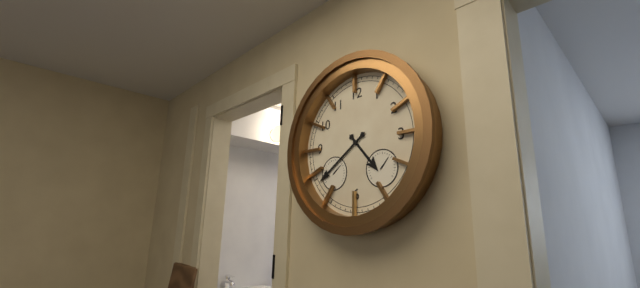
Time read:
h=4 m=39
